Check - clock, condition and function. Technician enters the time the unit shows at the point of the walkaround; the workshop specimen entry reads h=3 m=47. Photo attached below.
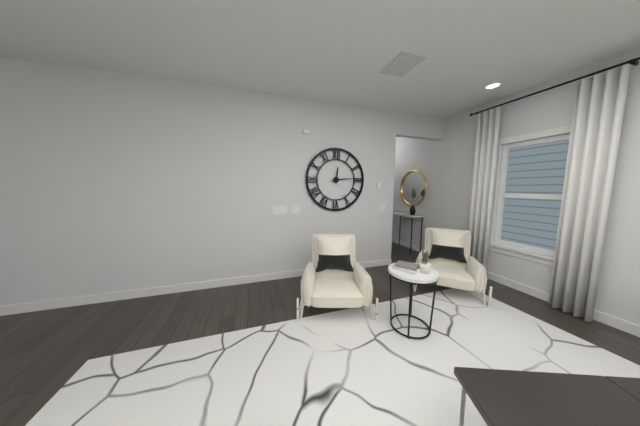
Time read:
h=12 m=14
